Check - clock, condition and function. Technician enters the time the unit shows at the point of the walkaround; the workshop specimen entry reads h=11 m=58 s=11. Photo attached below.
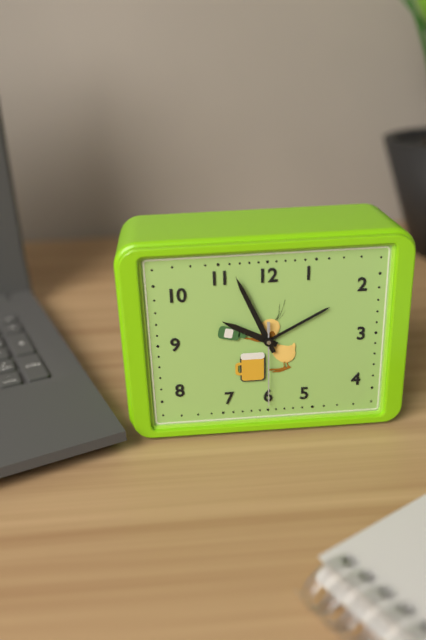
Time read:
h=9 m=56 s=30
